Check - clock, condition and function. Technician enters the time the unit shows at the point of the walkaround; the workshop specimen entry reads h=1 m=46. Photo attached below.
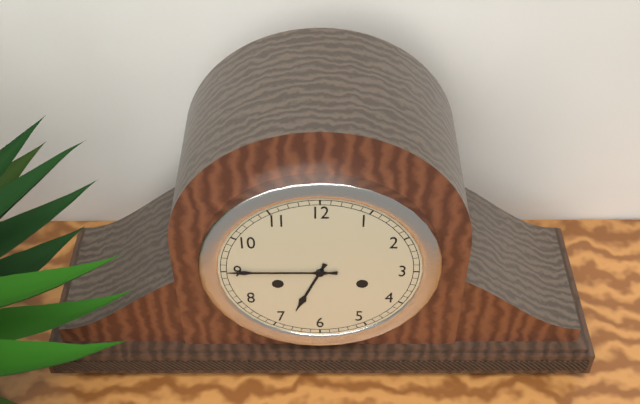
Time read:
h=6 m=45
